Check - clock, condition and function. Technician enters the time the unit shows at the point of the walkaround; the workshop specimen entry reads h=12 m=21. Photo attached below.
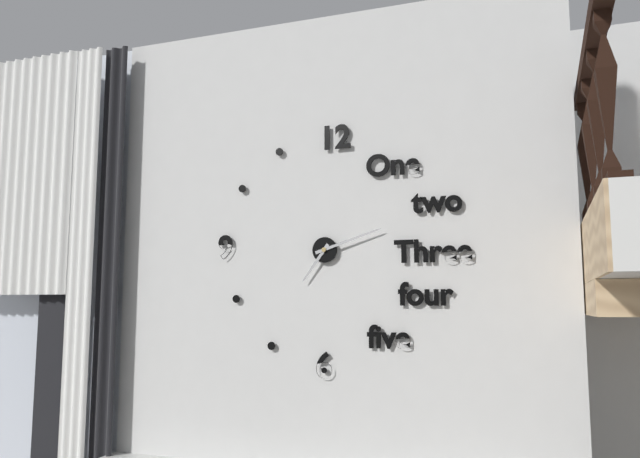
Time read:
h=7 m=12
